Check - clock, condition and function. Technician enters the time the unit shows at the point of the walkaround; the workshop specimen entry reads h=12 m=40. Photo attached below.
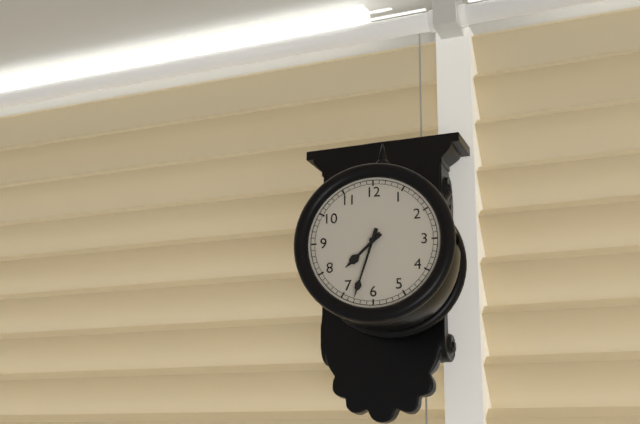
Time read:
h=7 m=33
